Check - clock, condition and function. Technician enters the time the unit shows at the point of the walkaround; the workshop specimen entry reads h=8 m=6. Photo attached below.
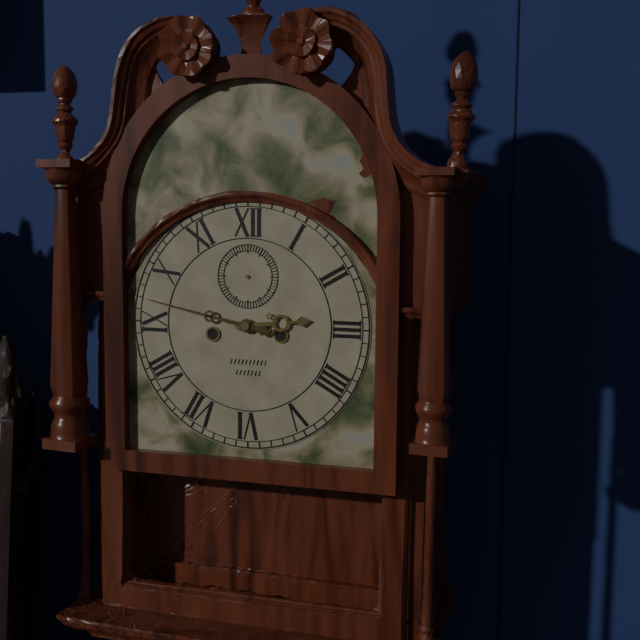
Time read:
h=2 m=47
